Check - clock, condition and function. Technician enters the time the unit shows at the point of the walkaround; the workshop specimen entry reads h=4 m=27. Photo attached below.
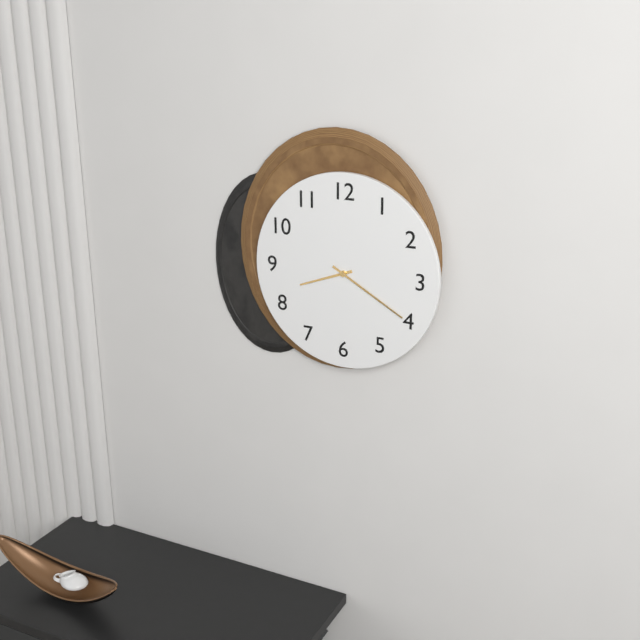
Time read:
h=8 m=20
